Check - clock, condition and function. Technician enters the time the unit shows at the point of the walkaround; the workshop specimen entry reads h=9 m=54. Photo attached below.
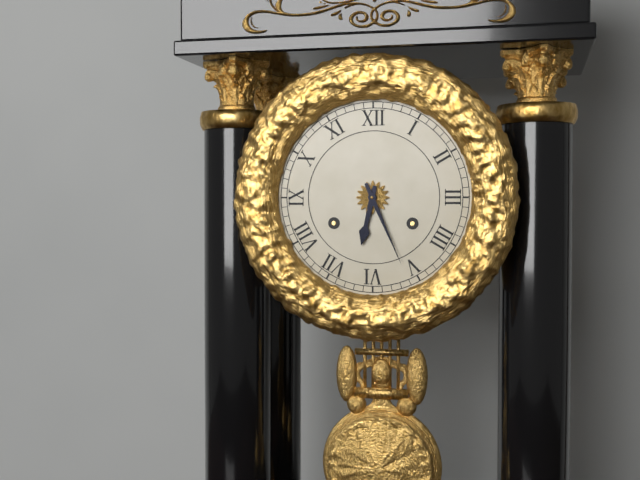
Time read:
h=6 m=26
